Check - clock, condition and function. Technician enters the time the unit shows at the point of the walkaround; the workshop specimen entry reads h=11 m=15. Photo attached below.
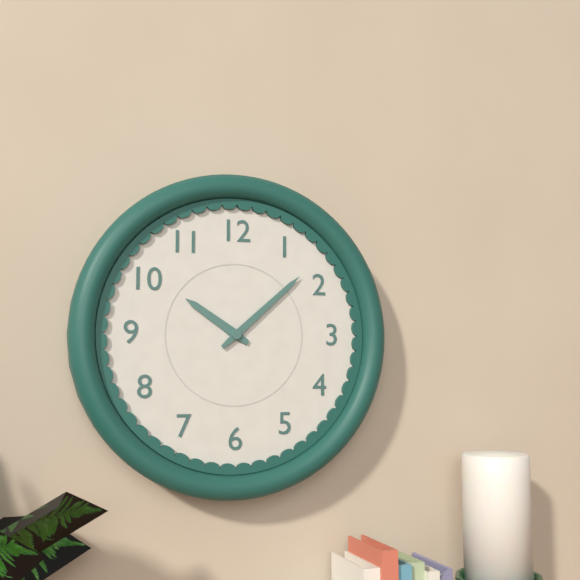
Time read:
h=10 m=8
